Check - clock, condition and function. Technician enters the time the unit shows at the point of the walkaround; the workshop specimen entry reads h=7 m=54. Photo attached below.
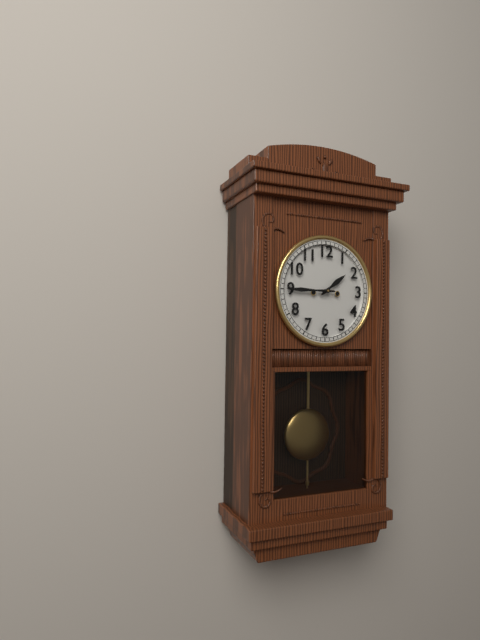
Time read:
h=1 m=45
